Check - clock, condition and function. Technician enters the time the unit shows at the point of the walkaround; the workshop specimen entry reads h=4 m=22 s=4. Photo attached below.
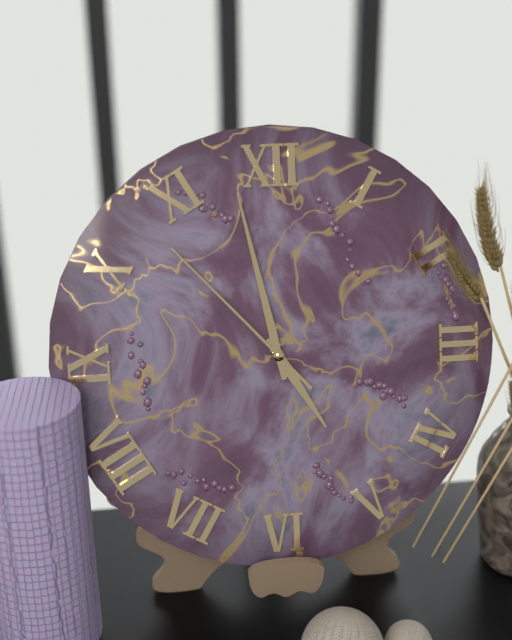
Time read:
h=4 m=58 s=53
